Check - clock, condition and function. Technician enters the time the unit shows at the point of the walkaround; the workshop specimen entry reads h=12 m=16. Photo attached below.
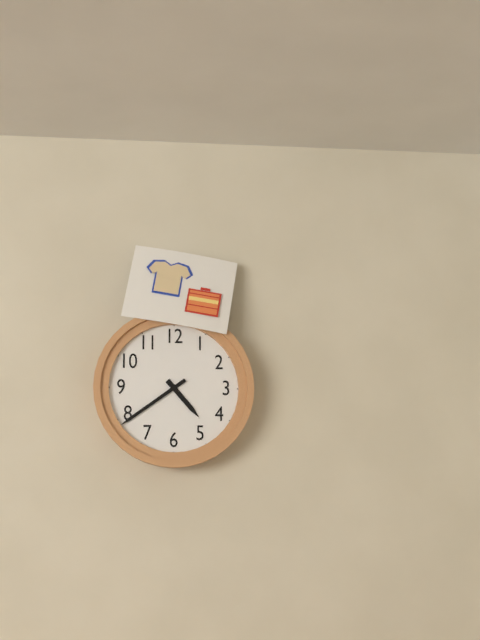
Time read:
h=4 m=39
